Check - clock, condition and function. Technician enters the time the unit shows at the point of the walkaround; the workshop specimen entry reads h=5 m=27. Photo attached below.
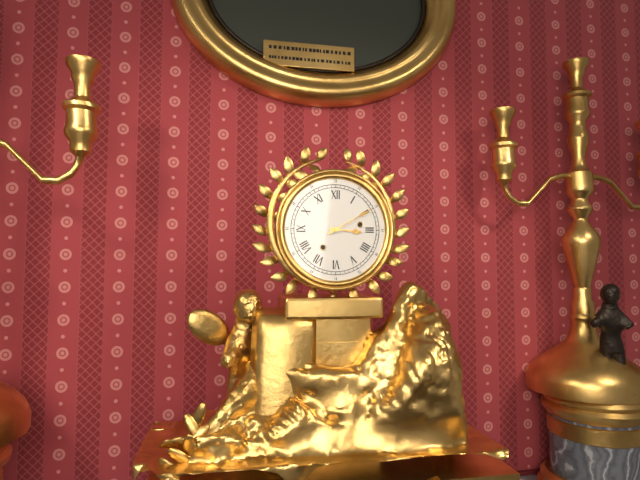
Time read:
h=3 m=10
